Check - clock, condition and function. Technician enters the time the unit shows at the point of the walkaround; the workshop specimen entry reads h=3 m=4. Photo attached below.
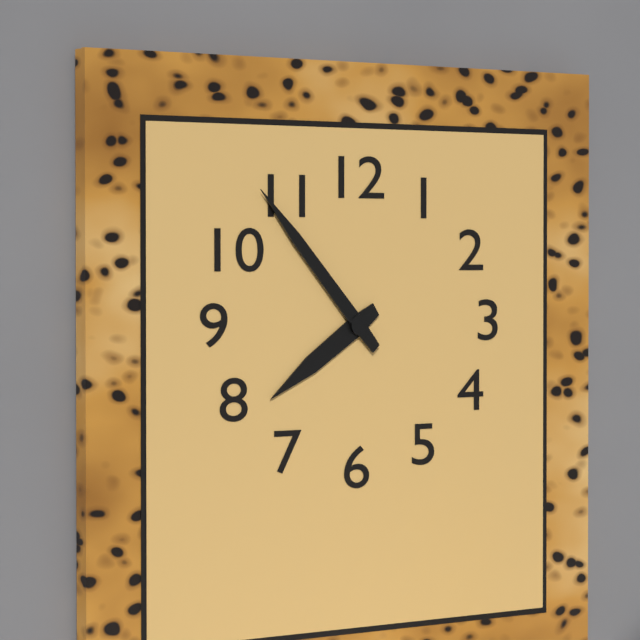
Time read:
h=7 m=53
